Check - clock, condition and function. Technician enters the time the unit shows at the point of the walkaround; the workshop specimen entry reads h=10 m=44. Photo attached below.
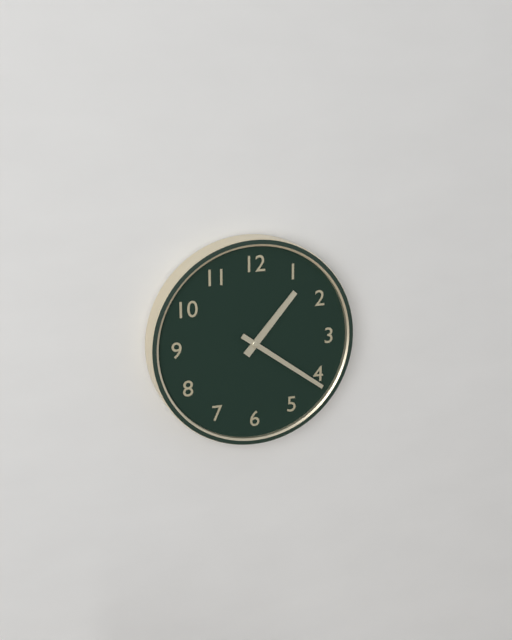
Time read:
h=1 m=21
